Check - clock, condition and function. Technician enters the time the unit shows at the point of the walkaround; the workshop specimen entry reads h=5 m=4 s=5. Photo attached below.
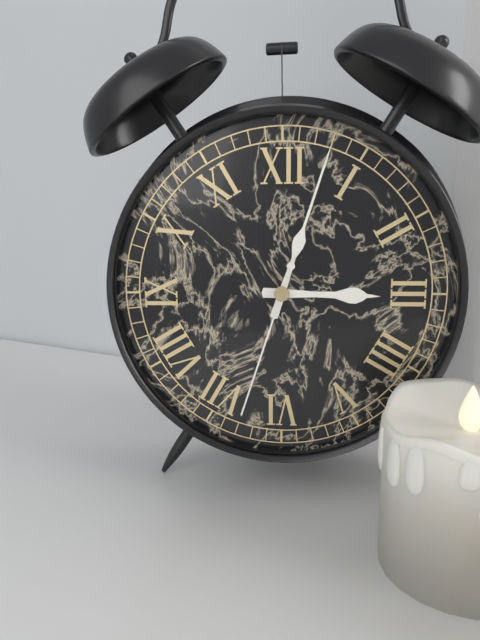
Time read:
h=3 m=3 s=33
